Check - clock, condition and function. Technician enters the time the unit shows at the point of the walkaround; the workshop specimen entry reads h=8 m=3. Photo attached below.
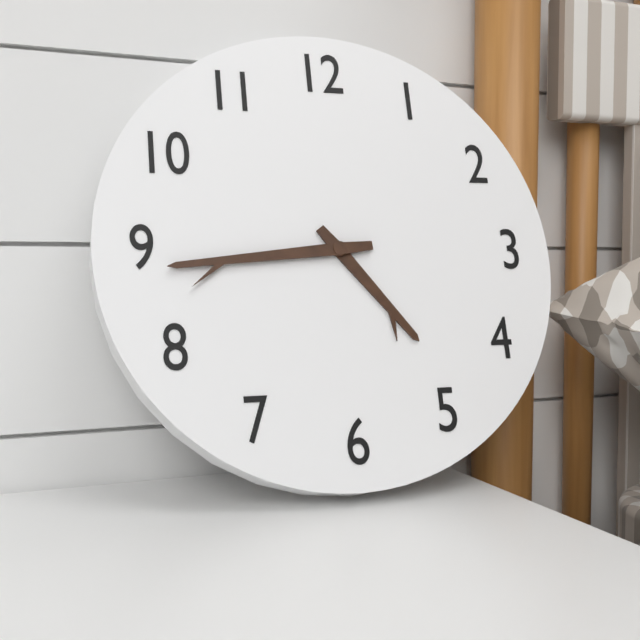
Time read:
h=4 m=44
